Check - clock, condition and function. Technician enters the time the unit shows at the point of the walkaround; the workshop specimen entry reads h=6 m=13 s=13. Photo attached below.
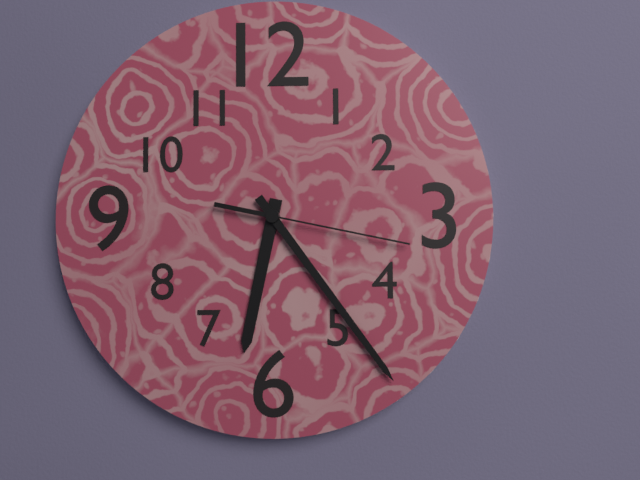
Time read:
h=6 m=24 s=17
